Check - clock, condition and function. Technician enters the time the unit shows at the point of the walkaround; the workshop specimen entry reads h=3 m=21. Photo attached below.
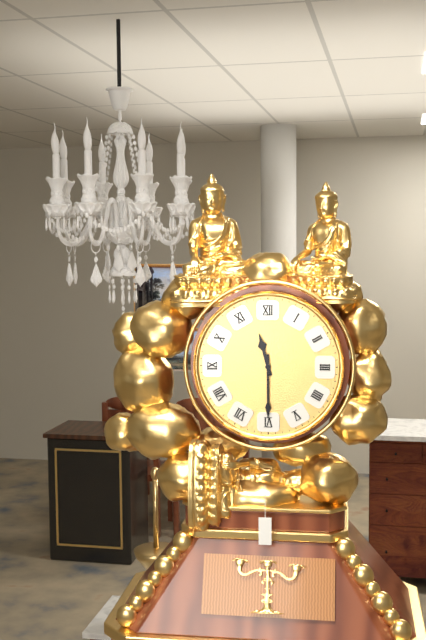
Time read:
h=11 m=30
